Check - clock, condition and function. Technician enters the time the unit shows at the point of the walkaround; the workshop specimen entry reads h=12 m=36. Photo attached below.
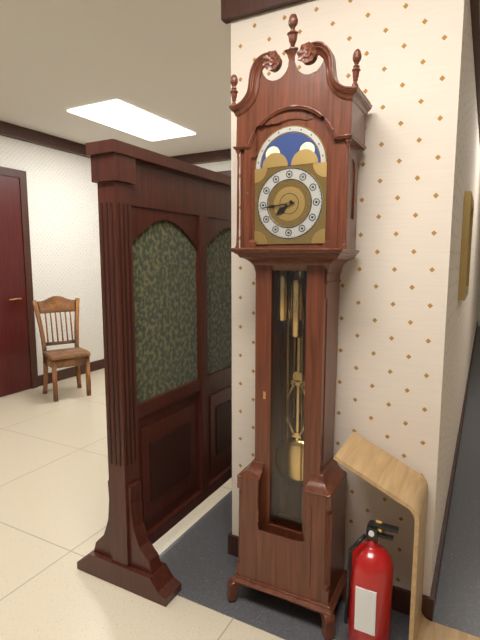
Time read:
h=7 m=44
